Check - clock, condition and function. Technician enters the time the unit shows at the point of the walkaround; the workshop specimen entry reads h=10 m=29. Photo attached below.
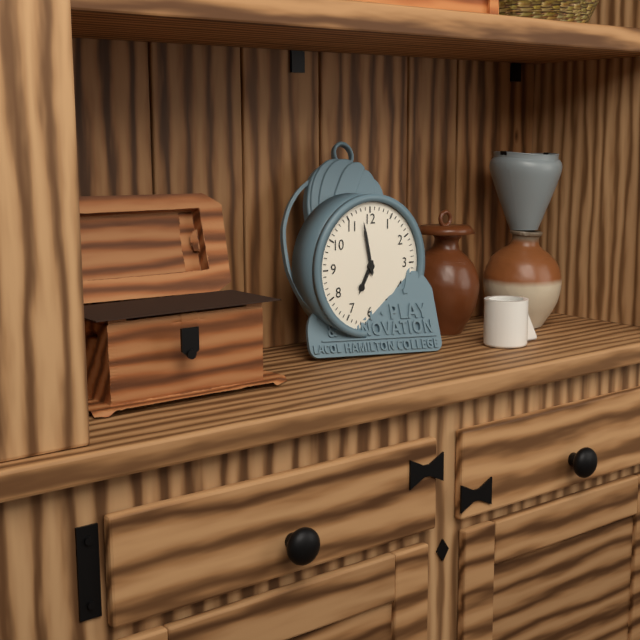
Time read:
h=6 m=58
